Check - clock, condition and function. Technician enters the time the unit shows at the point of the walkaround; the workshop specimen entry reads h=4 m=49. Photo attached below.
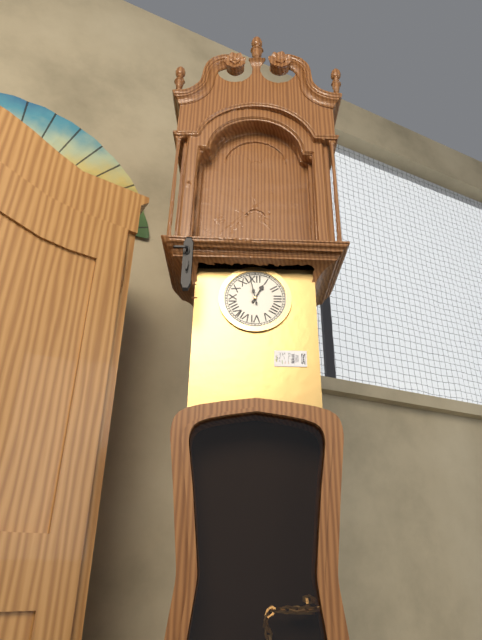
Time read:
h=12 m=58
